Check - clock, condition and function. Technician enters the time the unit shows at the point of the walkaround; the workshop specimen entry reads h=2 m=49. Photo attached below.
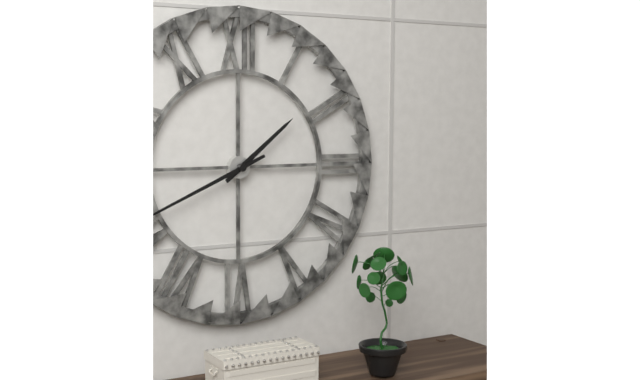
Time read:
h=1 m=41
